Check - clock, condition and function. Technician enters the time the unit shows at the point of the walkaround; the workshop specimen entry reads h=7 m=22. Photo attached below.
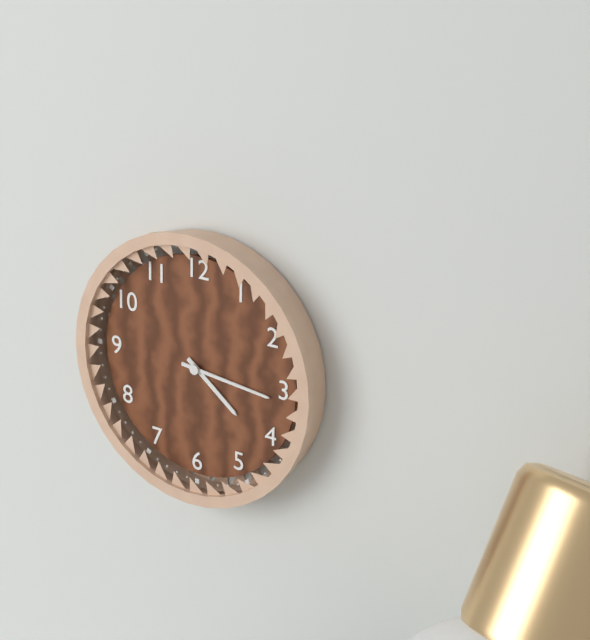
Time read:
h=4 m=16
